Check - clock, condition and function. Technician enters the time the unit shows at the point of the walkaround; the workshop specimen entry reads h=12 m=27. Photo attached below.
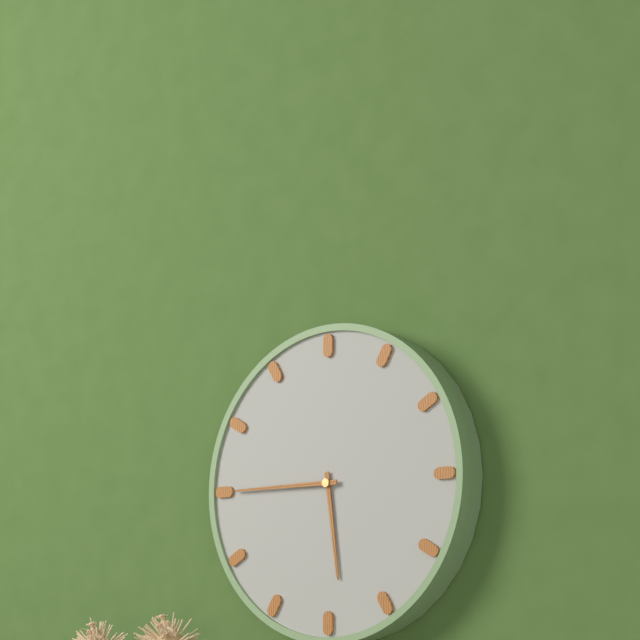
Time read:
h=5 m=45
